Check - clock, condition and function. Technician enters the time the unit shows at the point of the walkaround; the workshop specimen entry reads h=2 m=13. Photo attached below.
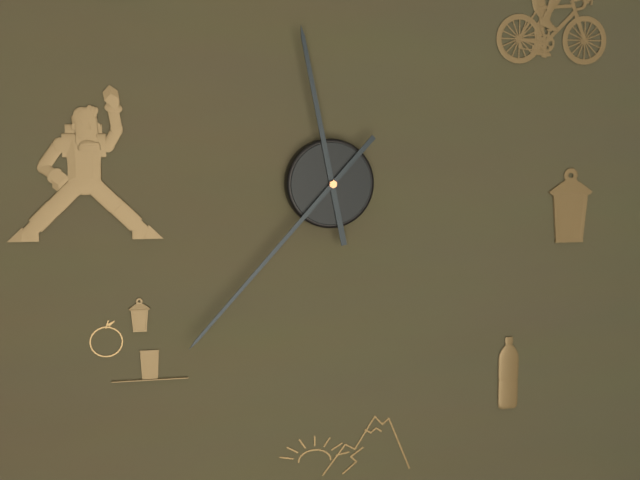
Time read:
h=11 m=37
